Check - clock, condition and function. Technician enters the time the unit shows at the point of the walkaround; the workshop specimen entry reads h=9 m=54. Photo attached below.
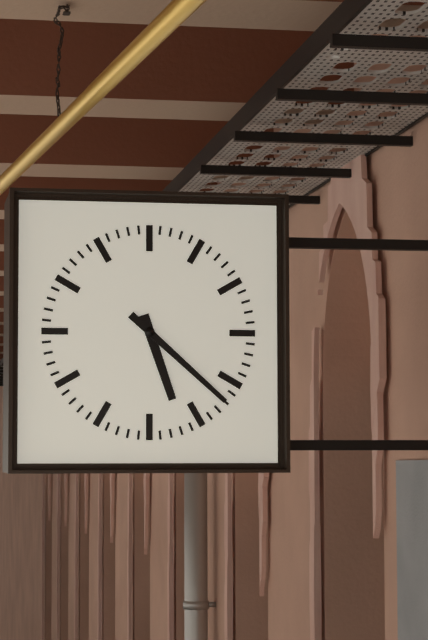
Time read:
h=5 m=22
